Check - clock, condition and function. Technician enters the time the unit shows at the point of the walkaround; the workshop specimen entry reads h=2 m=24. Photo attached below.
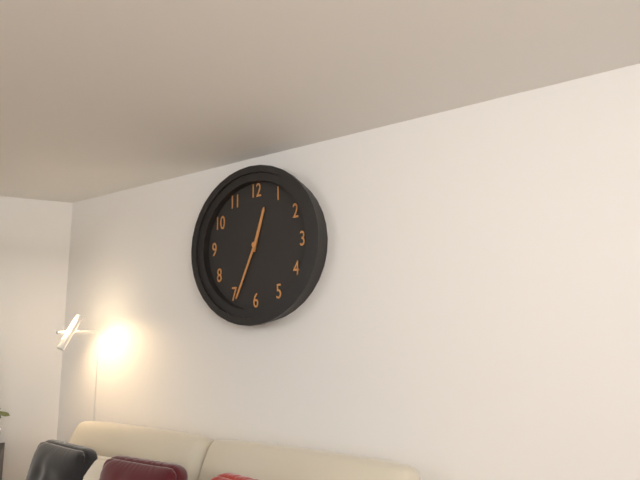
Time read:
h=12 m=34
